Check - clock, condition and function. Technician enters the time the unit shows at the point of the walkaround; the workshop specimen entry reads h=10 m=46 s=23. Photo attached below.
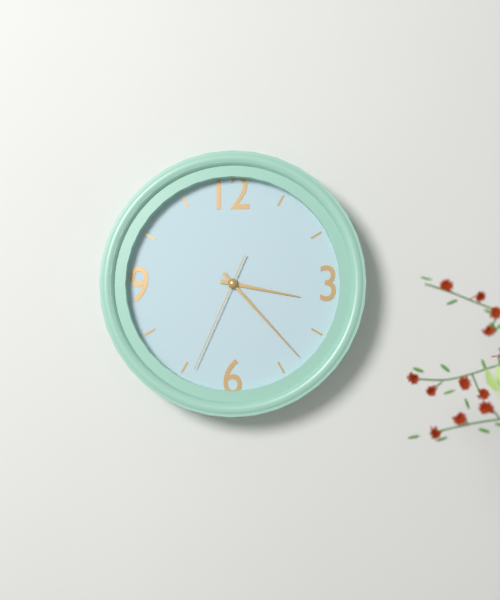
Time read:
h=3 m=23 s=34
